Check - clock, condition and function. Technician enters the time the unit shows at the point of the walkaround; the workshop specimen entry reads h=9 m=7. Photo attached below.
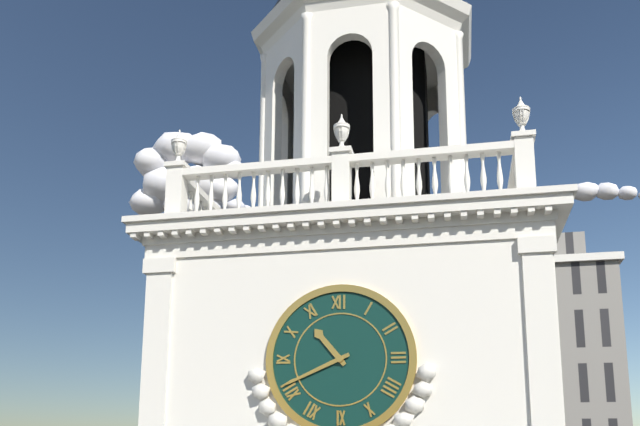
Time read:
h=10 m=41
